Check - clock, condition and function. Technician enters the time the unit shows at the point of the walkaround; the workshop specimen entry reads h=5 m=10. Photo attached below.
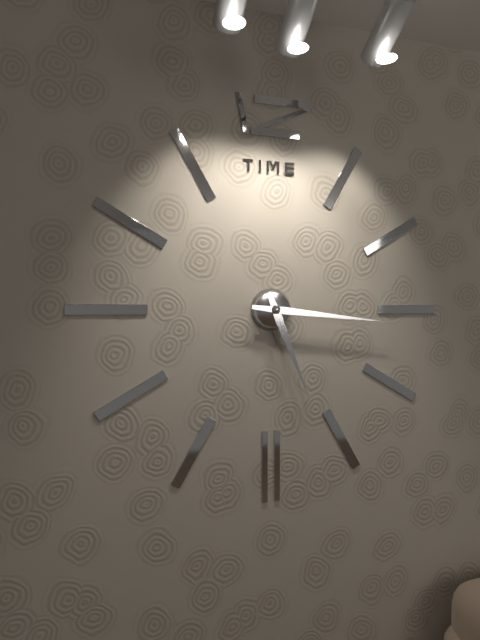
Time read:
h=5 m=16
